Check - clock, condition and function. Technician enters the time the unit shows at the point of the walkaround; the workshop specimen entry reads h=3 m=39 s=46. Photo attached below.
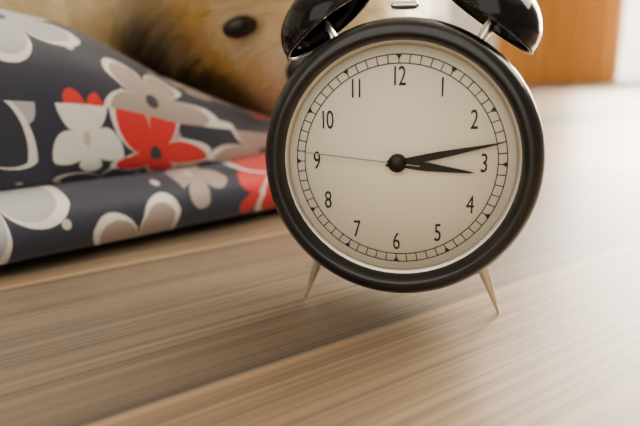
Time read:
h=3 m=13 s=46
